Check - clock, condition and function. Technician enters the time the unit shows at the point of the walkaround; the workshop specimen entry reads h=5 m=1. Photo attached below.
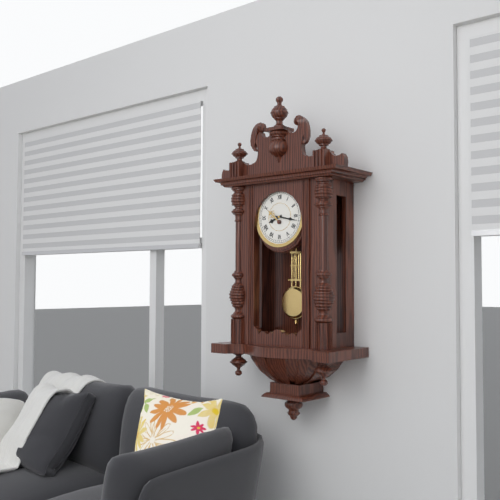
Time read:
h=8 m=17
